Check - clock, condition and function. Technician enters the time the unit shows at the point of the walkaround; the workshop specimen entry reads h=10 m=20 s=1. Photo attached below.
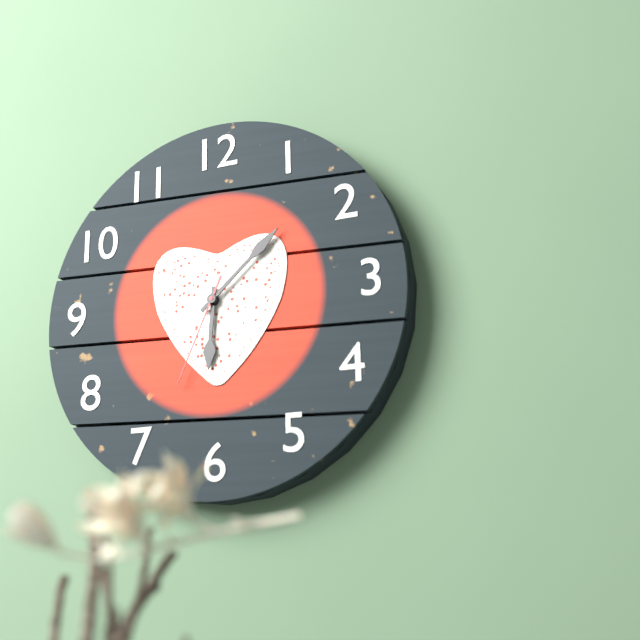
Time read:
h=6 m=8 s=34
